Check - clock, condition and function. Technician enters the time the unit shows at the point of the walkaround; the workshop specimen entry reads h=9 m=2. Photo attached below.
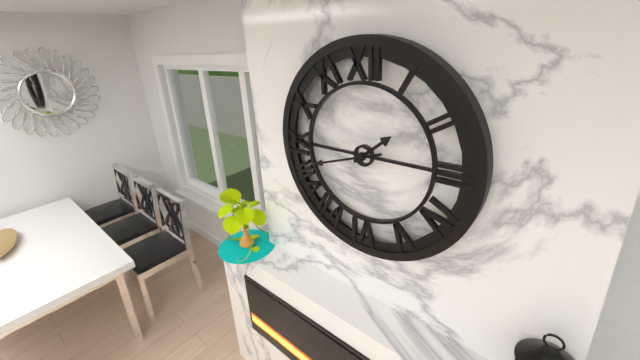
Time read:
h=1 m=42
